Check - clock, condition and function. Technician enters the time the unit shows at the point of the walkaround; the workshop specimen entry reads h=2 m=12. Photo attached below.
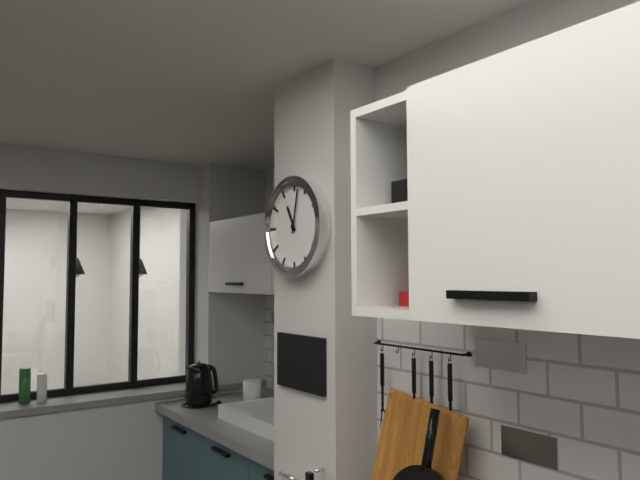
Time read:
h=11 m=2
